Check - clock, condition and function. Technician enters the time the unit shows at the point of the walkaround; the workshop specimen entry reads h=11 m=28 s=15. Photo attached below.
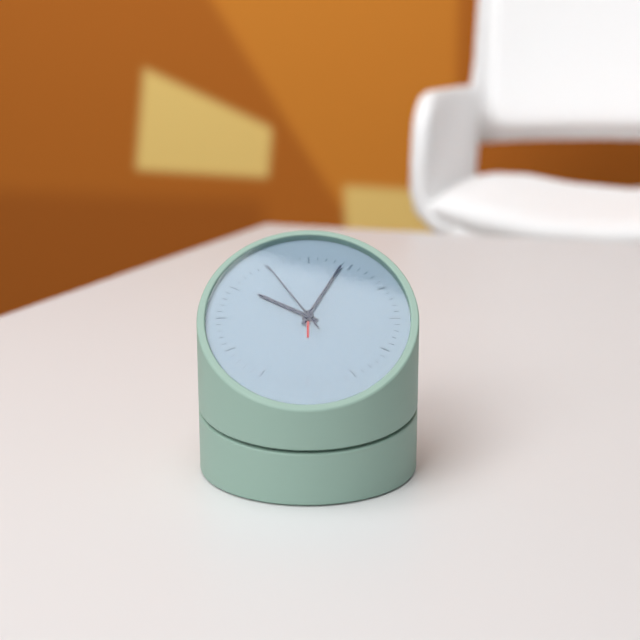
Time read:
h=10 m=4 s=55
